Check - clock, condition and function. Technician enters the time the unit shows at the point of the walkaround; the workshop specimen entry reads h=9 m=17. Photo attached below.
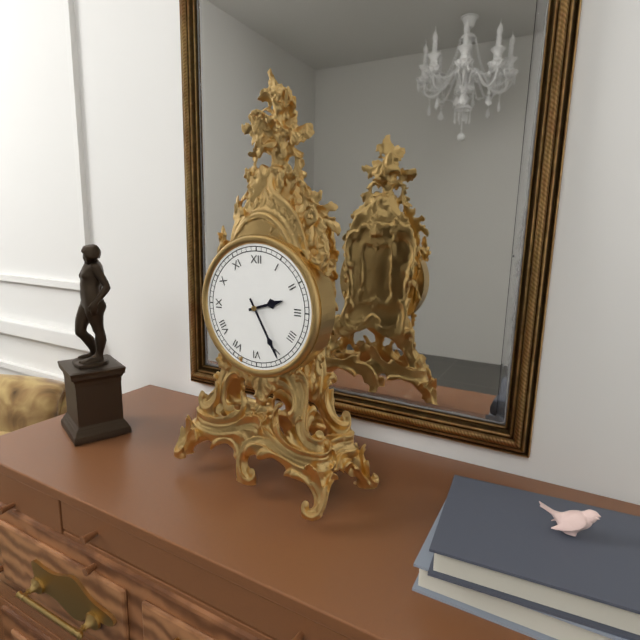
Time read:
h=2 m=25
